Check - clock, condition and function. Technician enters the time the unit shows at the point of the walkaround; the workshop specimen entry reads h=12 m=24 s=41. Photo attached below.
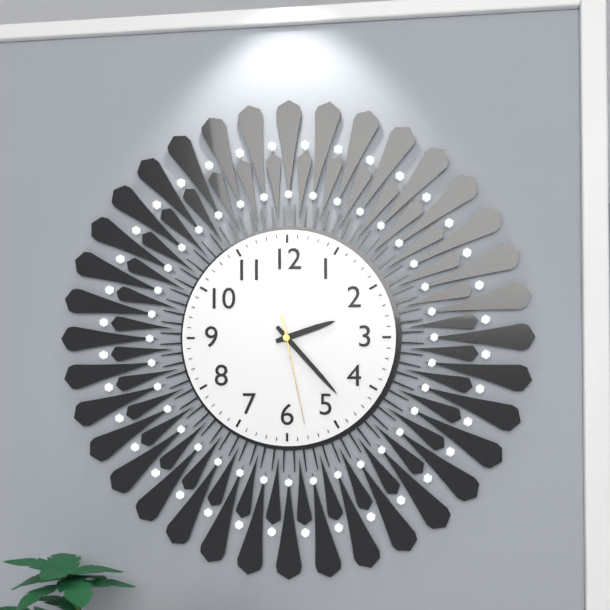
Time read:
h=2 m=23 s=28
